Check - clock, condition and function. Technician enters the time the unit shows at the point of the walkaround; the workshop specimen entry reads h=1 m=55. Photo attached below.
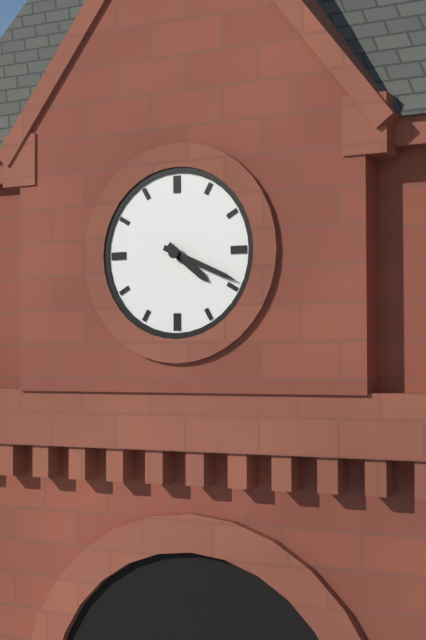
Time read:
h=4 m=19
